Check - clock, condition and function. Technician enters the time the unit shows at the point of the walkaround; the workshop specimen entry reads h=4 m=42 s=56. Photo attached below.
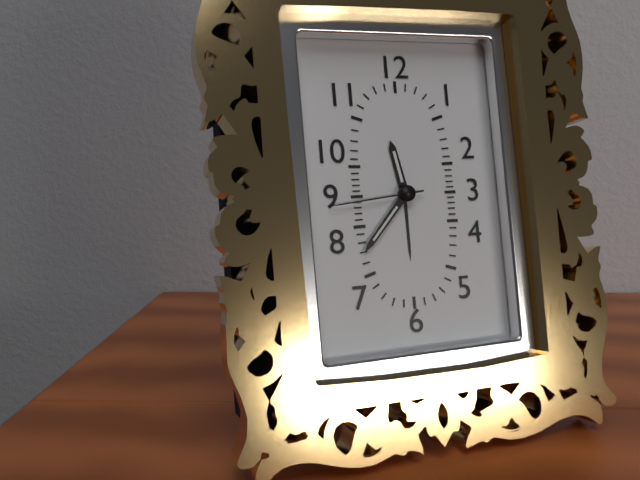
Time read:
h=11 m=37 s=44
